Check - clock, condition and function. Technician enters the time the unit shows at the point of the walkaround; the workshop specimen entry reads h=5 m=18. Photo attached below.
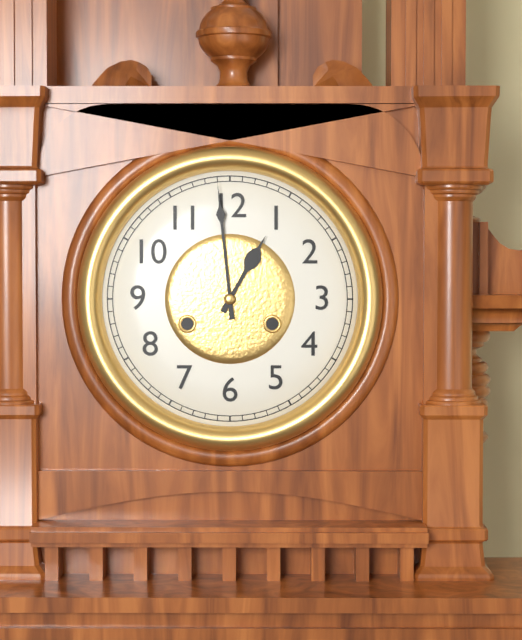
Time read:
h=12 m=59
